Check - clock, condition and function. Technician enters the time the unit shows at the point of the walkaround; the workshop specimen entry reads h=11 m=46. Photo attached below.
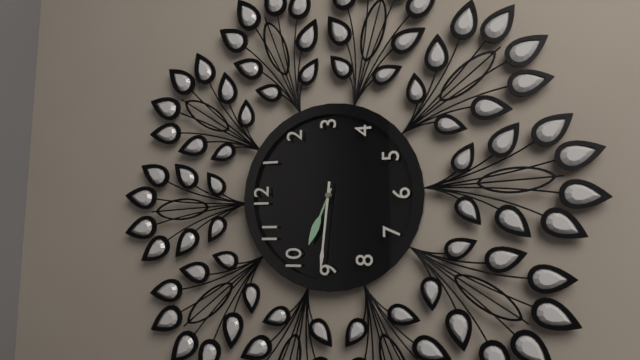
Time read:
h=9 m=46
